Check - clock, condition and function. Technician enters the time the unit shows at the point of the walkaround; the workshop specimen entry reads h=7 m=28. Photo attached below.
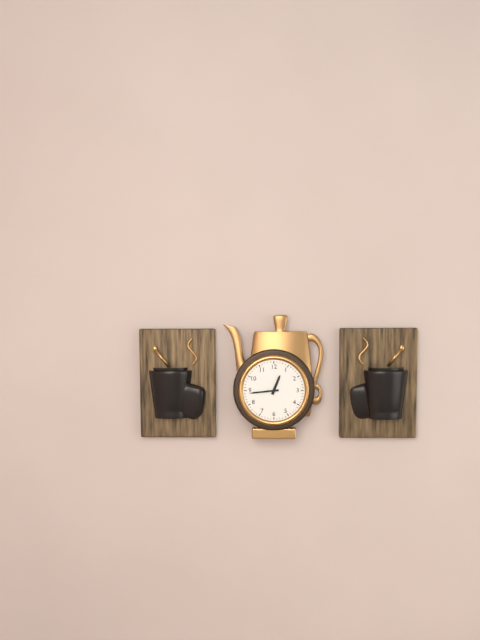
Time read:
h=12 m=44
